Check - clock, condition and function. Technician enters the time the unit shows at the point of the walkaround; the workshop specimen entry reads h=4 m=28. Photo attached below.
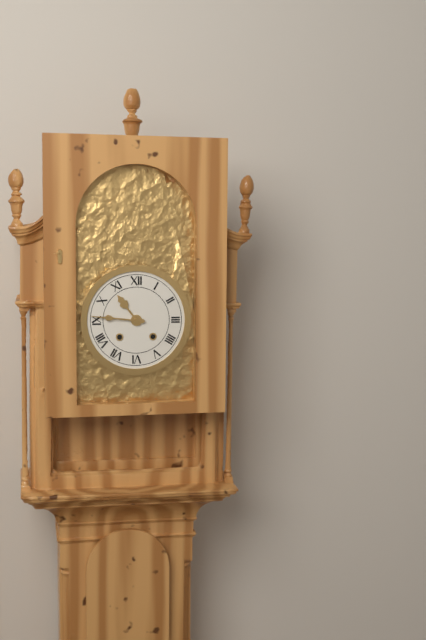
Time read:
h=10 m=46
